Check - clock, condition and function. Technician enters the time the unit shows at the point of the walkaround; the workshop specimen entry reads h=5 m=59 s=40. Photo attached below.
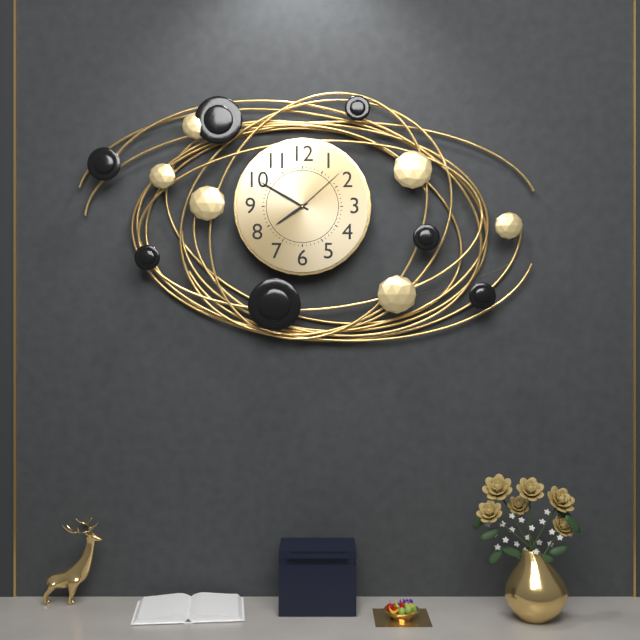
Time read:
h=7 m=50 s=8
